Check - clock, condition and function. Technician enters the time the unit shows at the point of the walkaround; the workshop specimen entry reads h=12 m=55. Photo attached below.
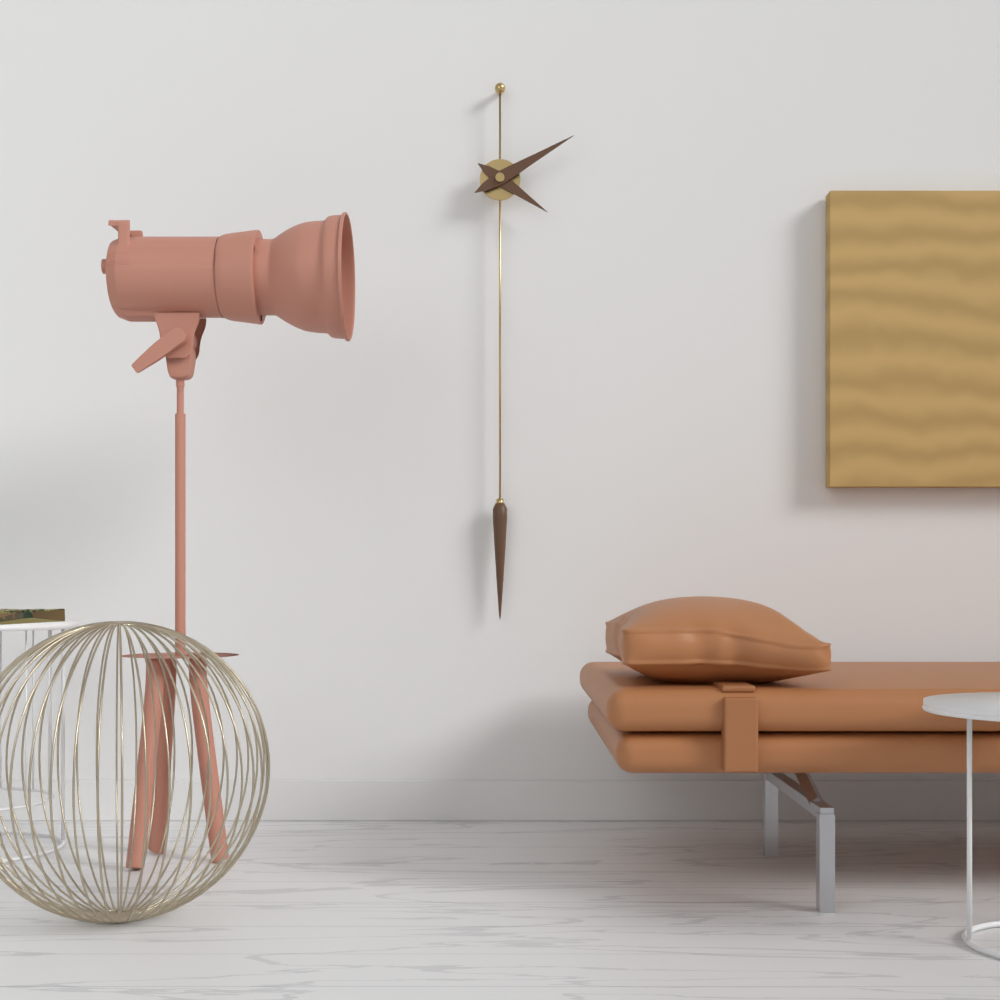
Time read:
h=4 m=10
